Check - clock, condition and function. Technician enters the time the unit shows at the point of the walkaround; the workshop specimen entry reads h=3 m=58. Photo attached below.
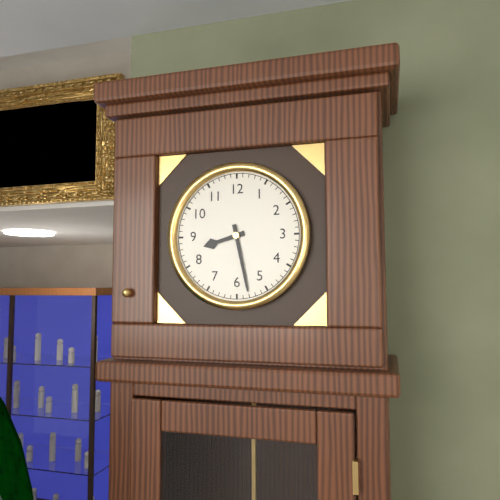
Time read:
h=8 m=28
